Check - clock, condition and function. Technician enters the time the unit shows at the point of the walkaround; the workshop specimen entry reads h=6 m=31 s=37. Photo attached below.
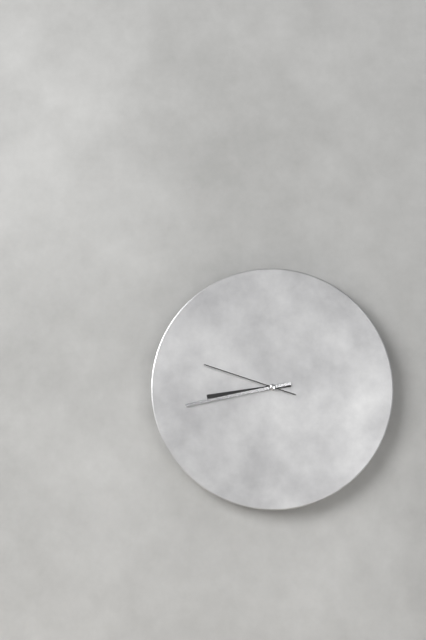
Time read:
h=8 m=43 s=48
